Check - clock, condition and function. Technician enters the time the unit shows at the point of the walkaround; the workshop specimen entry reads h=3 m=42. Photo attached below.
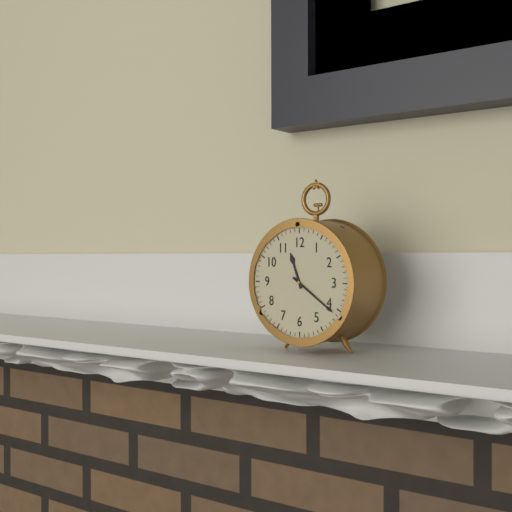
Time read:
h=11 m=21
